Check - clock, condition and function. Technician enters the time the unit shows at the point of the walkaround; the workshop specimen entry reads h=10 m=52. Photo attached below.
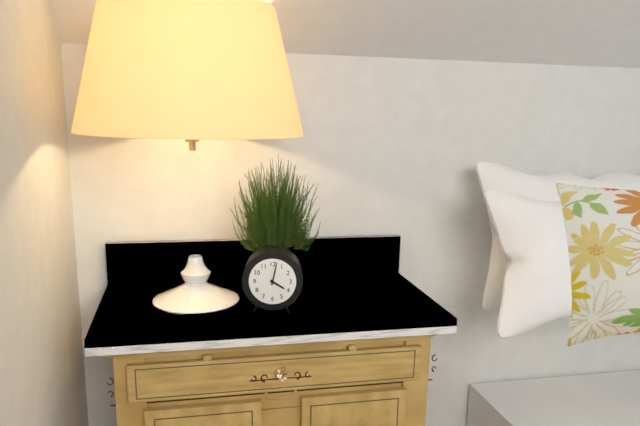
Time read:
h=4 m=2
